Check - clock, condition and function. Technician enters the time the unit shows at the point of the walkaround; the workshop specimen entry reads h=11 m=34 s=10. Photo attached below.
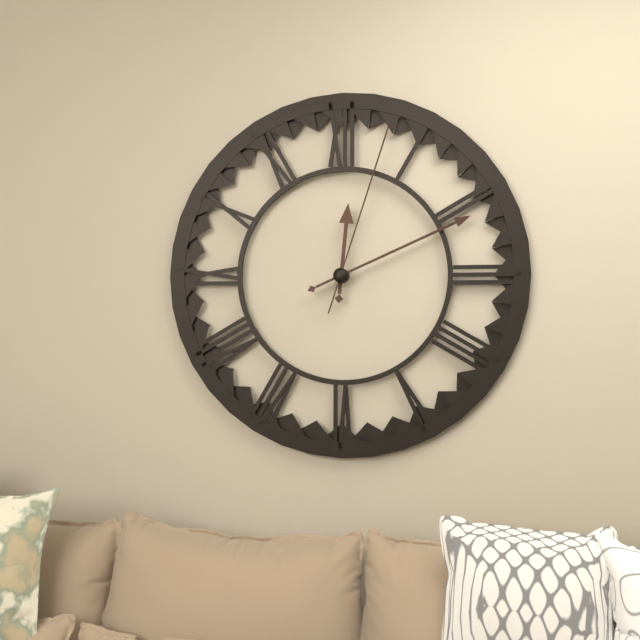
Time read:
h=12 m=11 s=3
